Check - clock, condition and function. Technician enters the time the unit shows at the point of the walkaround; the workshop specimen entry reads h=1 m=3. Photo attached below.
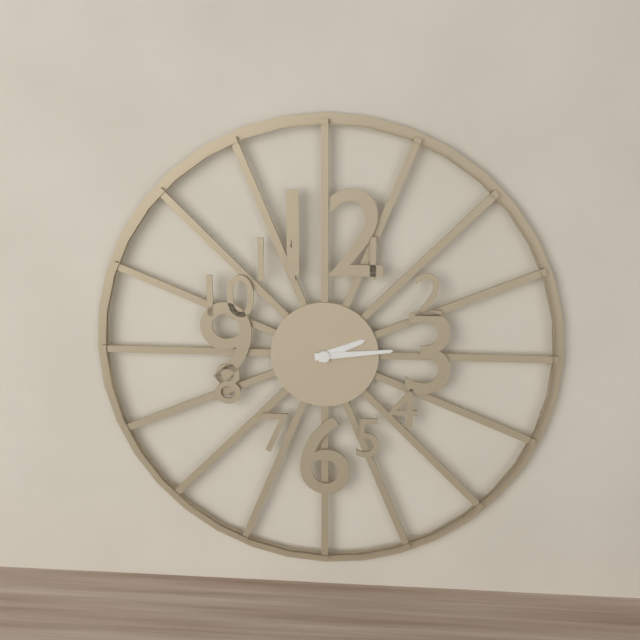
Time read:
h=2 m=14
